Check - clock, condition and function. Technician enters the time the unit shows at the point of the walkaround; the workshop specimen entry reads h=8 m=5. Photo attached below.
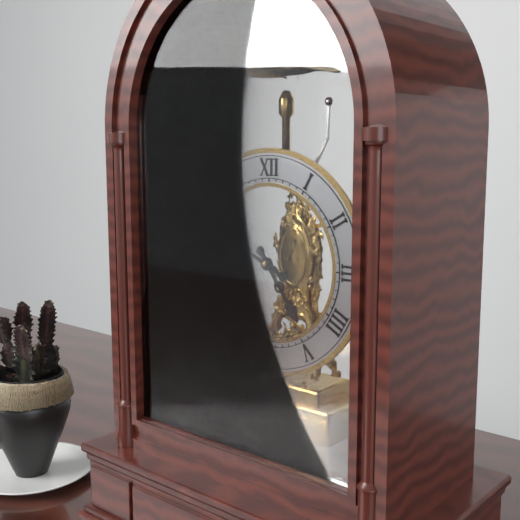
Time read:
h=4 m=49
